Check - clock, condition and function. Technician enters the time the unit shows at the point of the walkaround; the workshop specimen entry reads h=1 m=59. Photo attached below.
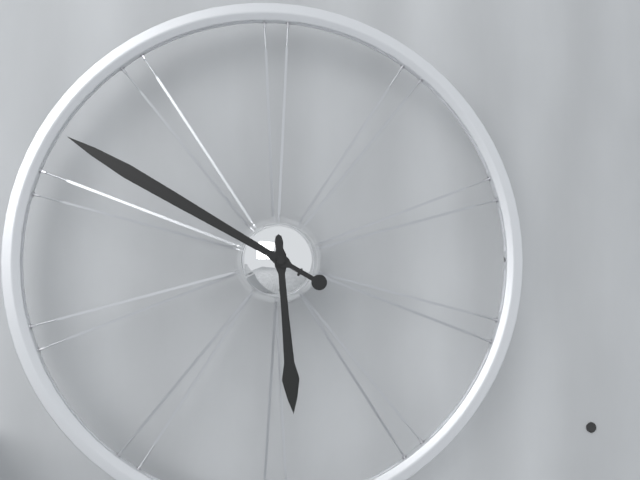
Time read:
h=5 m=50
